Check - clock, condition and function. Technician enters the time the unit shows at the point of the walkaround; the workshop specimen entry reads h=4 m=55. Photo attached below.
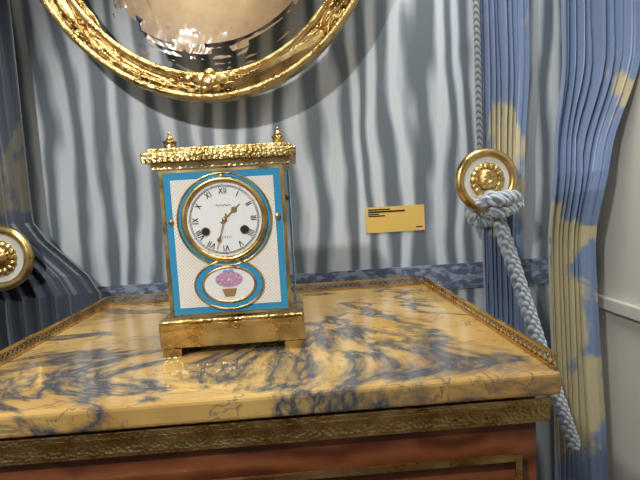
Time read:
h=1 m=33
